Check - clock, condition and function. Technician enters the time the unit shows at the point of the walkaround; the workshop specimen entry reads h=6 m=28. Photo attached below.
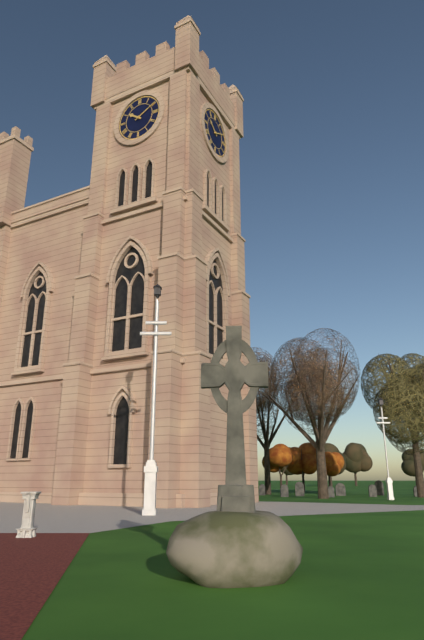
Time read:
h=10 m=10
